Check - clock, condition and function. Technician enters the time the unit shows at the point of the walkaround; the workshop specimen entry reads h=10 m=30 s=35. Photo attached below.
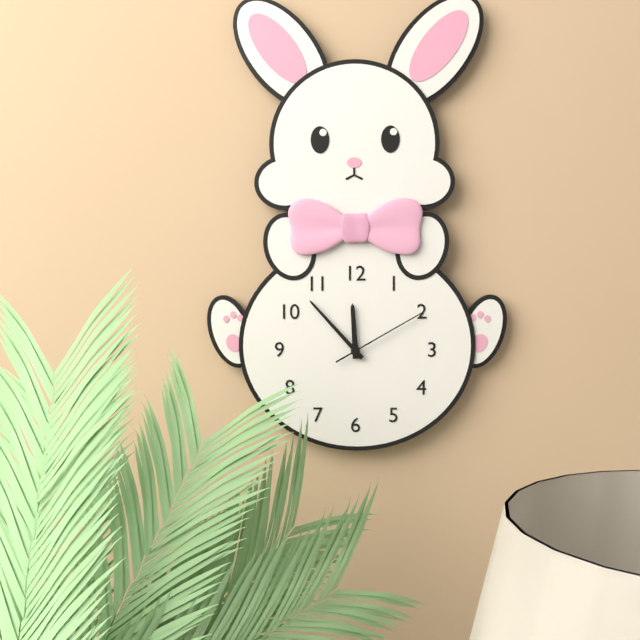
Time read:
h=11 m=53 s=10
